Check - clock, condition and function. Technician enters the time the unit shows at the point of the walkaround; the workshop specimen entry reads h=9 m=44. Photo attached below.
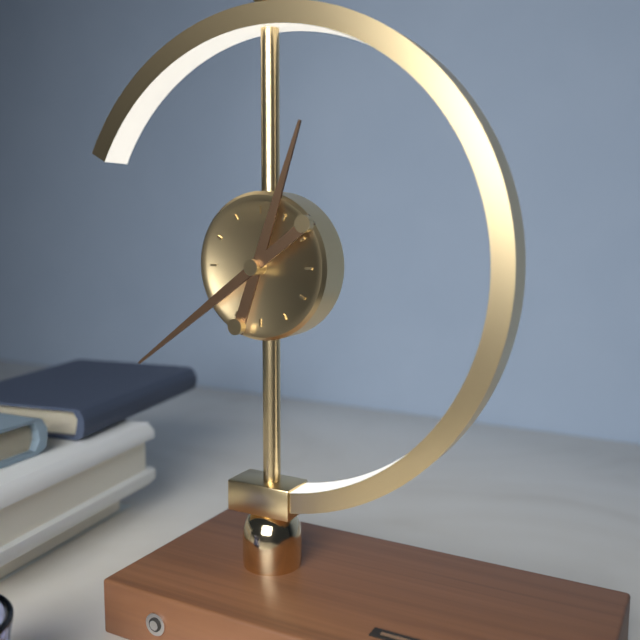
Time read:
h=12 m=39
